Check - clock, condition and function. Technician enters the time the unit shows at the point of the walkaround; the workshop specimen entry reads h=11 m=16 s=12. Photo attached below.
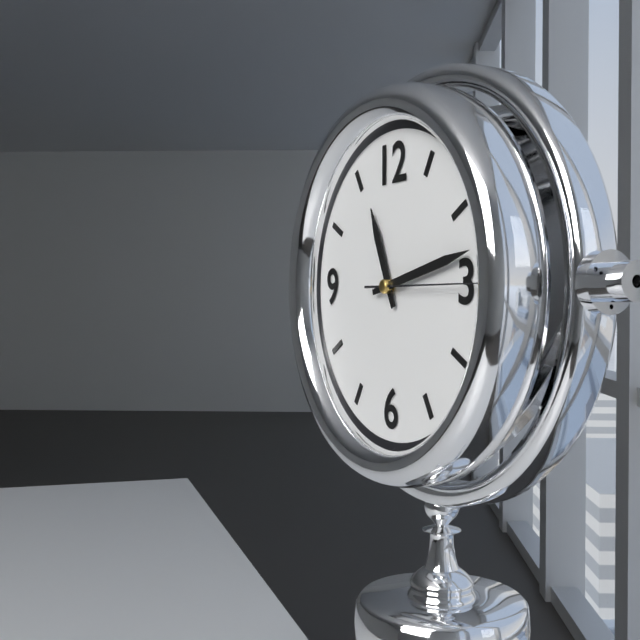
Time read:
h=11 m=13 s=15
